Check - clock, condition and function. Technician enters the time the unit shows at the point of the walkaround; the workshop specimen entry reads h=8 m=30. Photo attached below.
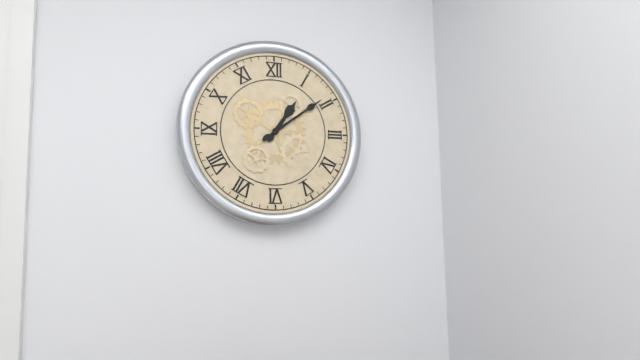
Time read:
h=1 m=9
